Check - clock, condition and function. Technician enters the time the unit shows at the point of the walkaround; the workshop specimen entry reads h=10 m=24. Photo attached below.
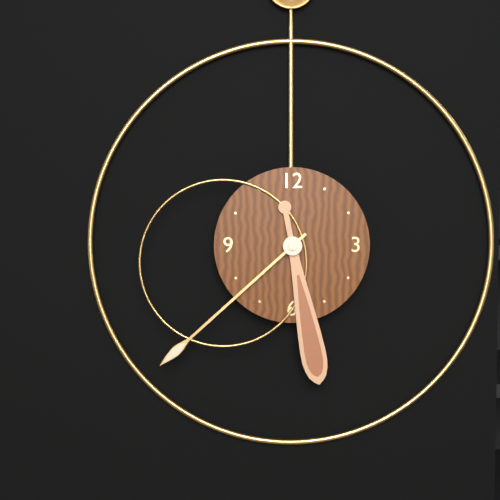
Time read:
h=5 m=38
